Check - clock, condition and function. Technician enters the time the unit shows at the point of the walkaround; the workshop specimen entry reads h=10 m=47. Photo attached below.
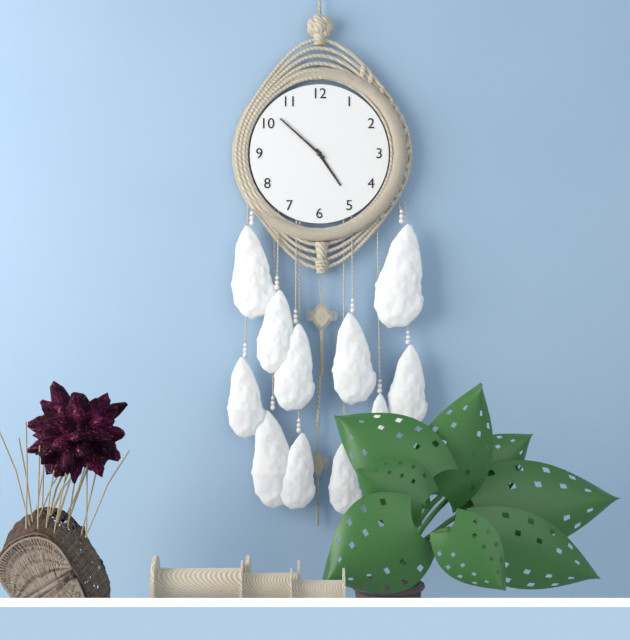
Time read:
h=4 m=52
